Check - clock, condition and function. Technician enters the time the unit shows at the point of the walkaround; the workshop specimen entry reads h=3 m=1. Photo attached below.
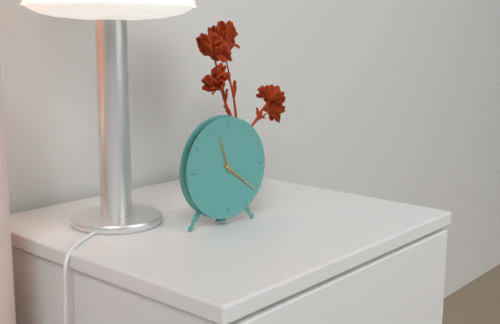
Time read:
h=11 m=21
